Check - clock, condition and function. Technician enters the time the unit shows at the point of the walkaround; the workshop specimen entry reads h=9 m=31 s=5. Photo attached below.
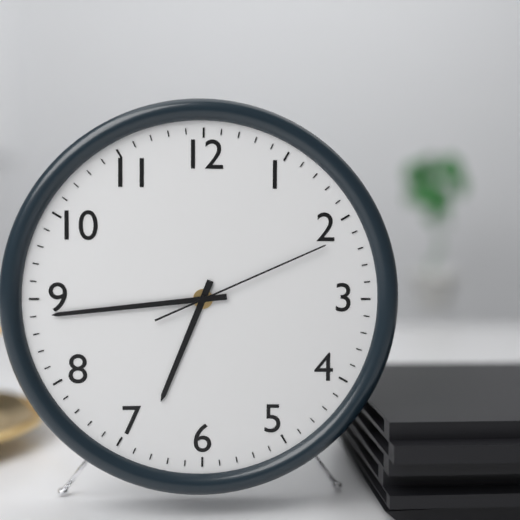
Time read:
h=6 m=44 s=11
